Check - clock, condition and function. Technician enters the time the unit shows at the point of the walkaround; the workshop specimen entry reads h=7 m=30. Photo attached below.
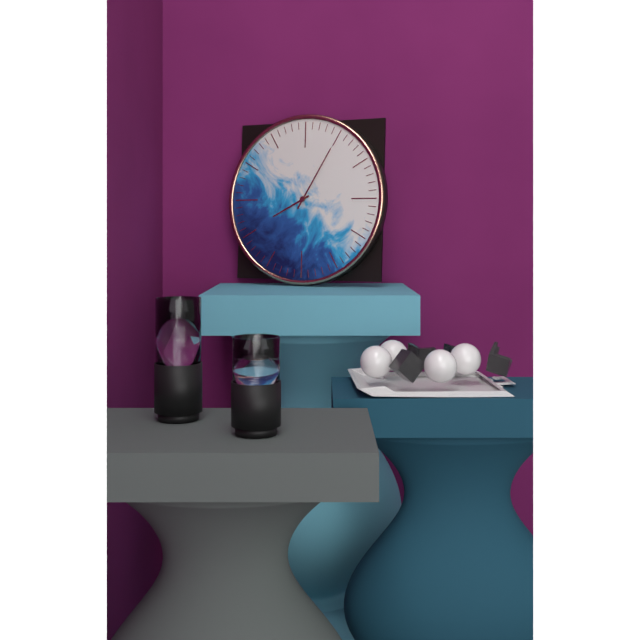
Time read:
h=8 m=5
